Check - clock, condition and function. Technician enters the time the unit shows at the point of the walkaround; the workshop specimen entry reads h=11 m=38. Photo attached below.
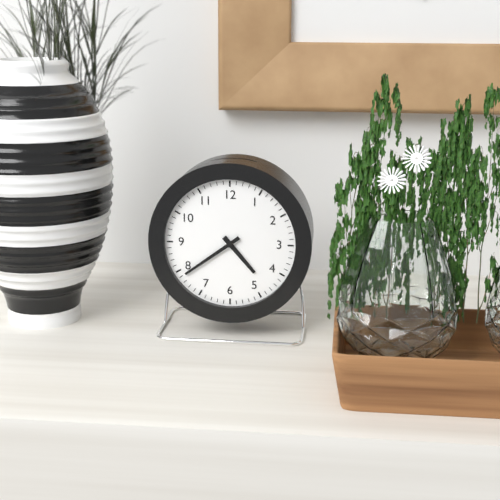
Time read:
h=4 m=39
